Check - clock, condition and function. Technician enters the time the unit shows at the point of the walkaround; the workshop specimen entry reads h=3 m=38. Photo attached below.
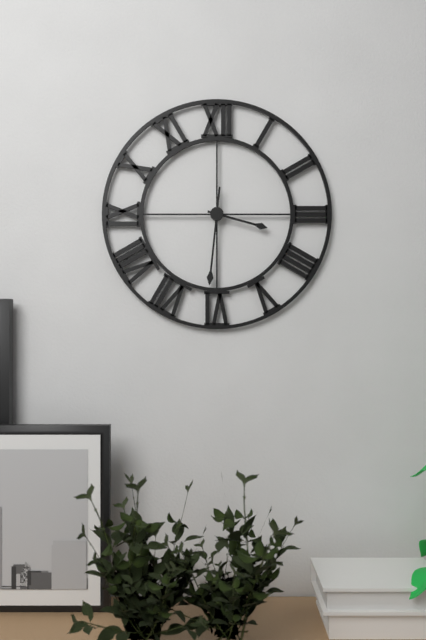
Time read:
h=3 m=31
